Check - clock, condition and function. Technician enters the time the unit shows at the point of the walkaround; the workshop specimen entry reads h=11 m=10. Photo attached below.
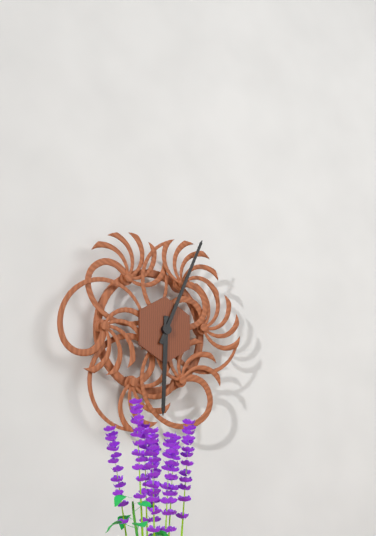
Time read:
h=6 m=4
